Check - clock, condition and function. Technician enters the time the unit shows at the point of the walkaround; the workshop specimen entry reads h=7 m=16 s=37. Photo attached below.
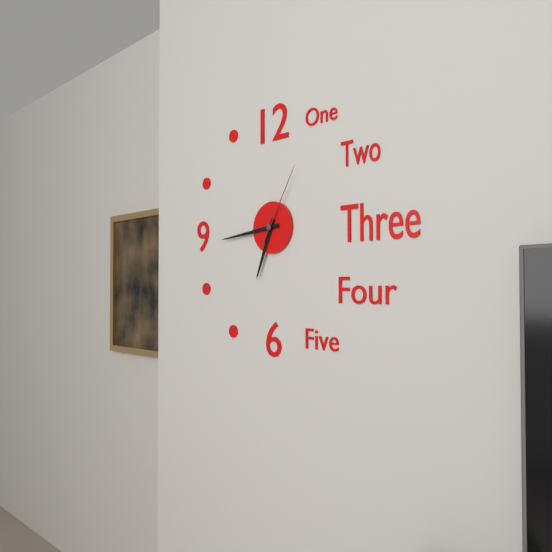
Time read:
h=6 m=44 s=5
